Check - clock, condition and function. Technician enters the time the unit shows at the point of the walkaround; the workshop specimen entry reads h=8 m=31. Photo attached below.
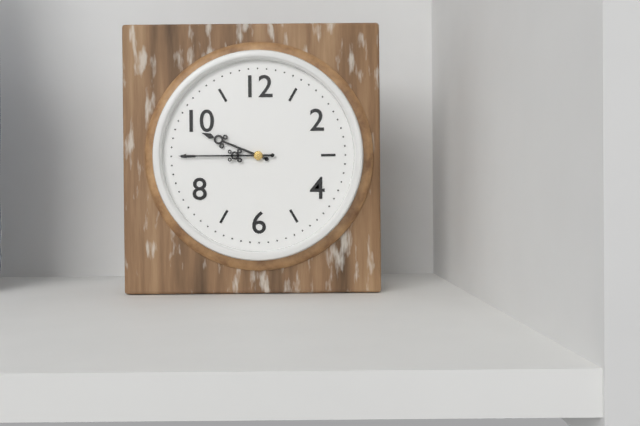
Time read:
h=9 m=45
